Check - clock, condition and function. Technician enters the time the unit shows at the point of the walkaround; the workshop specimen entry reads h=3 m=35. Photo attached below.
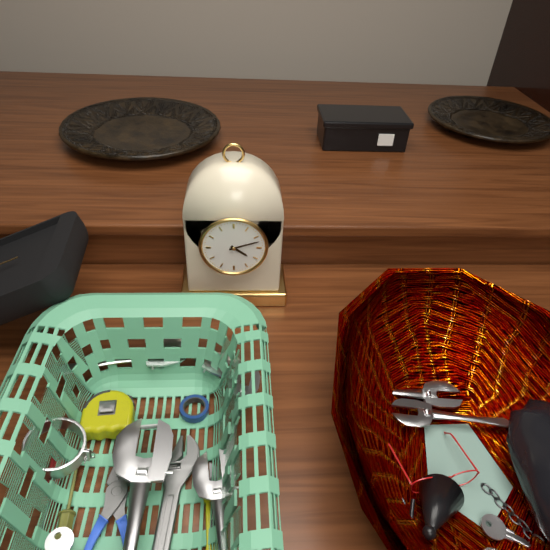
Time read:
h=4 m=12
